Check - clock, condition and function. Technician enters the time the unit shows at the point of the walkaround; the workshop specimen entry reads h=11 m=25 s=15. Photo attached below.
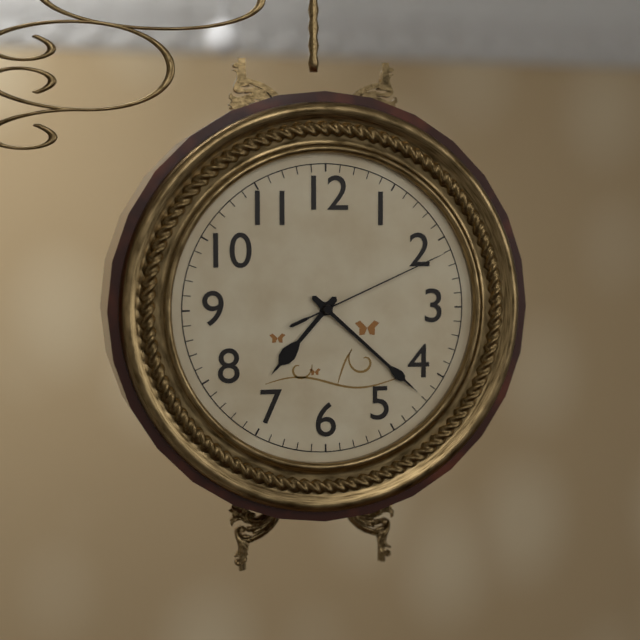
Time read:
h=7 m=22 s=11
